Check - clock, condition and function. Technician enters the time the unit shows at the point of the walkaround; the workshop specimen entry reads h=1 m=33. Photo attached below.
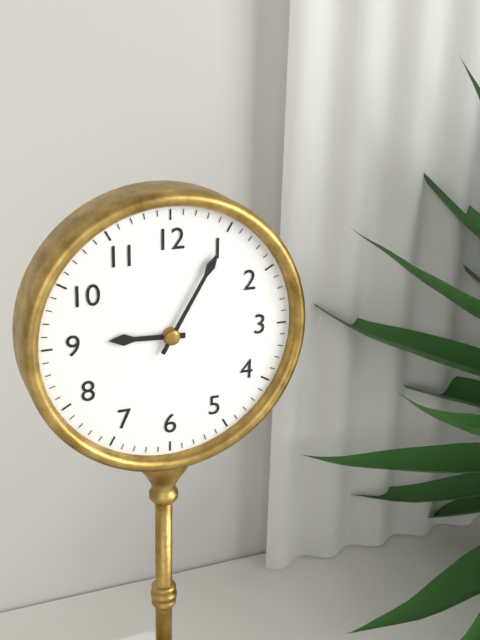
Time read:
h=9 m=5
